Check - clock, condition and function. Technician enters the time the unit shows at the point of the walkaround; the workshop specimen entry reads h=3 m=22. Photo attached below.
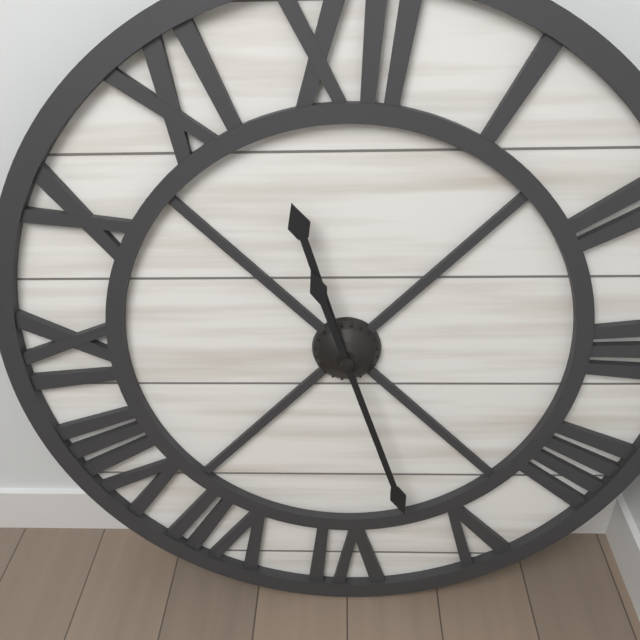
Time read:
h=11 m=27
